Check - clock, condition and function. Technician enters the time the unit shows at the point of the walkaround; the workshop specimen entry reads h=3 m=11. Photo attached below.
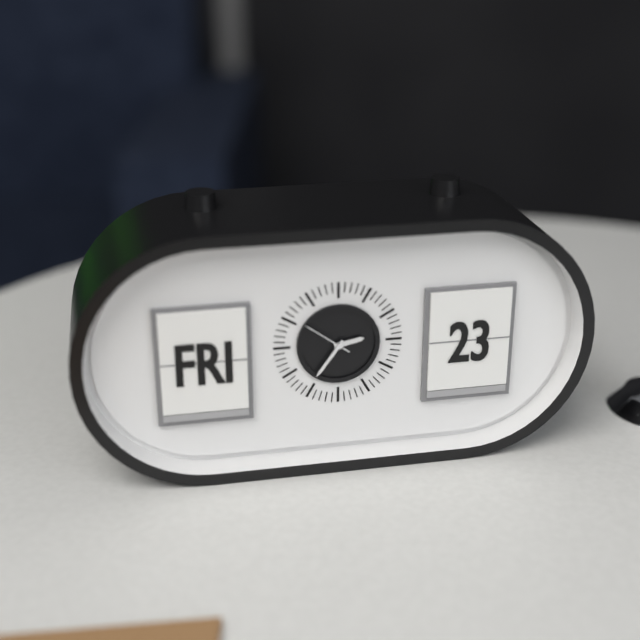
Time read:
h=2 m=36
